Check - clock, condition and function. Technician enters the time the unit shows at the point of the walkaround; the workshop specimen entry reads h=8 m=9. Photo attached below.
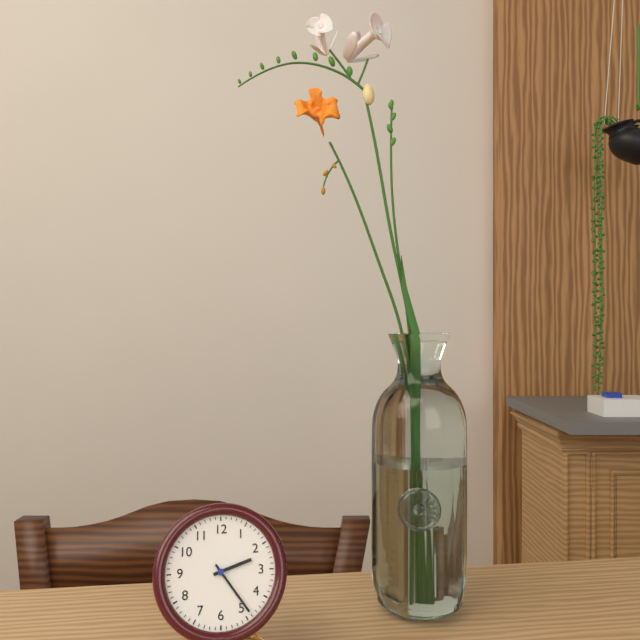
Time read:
h=2 m=24
